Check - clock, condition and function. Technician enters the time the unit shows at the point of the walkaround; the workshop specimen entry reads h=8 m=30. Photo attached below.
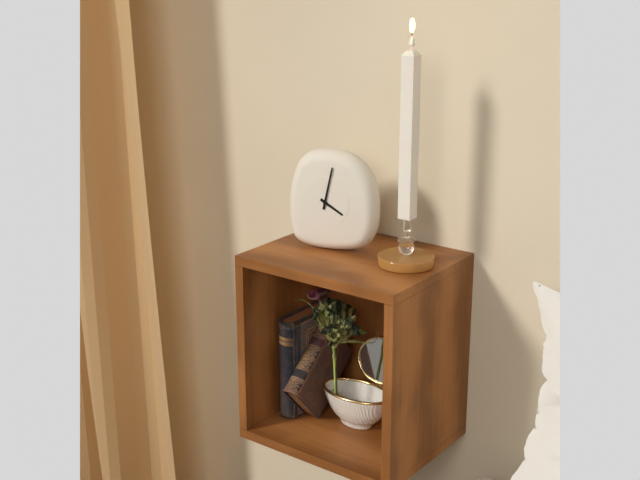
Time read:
h=4 m=2
